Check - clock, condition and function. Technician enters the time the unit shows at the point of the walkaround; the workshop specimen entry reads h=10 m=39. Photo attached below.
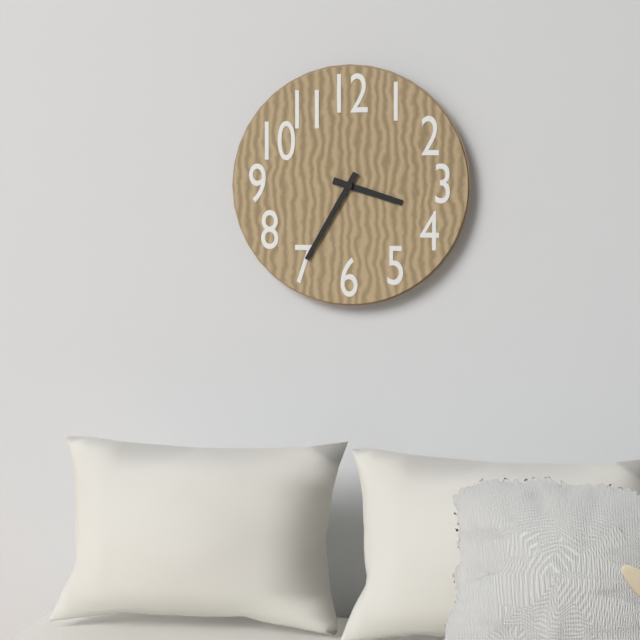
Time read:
h=3 m=35
